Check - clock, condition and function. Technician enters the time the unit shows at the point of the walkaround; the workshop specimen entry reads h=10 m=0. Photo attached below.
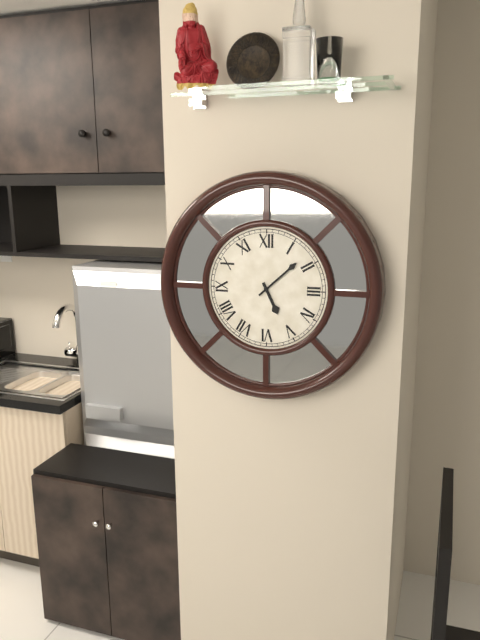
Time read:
h=5 m=8
